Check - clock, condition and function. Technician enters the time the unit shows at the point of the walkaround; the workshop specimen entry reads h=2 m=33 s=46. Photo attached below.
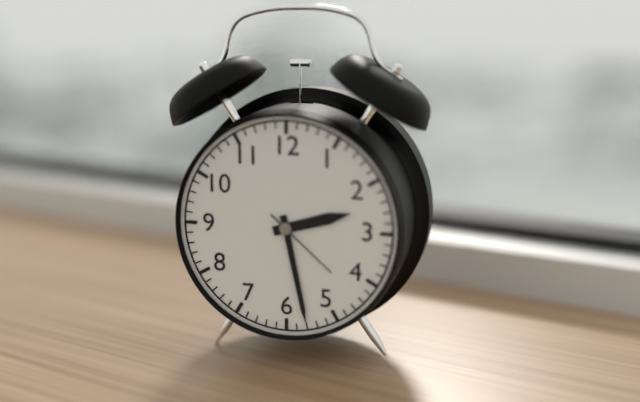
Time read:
h=2 m=28 s=22
